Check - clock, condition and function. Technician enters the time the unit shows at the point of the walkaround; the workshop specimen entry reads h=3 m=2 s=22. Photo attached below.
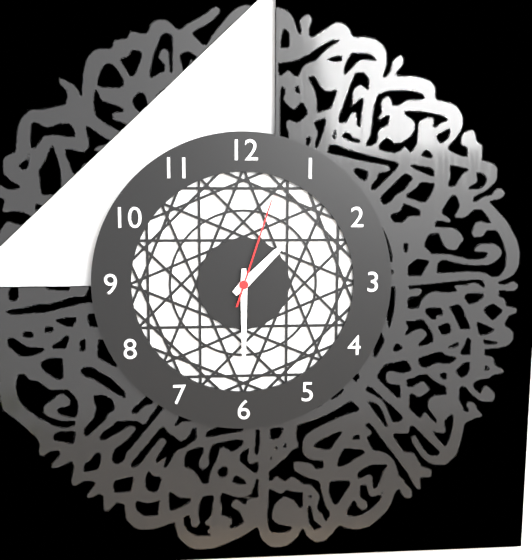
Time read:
h=1 m=30 s=3
